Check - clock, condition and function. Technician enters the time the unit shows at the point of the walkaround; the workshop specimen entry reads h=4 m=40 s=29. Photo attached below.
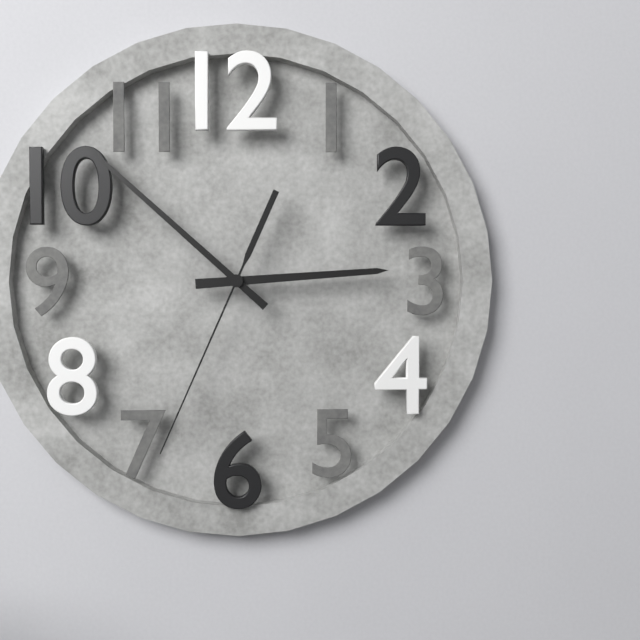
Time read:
h=2 m=52 s=34
